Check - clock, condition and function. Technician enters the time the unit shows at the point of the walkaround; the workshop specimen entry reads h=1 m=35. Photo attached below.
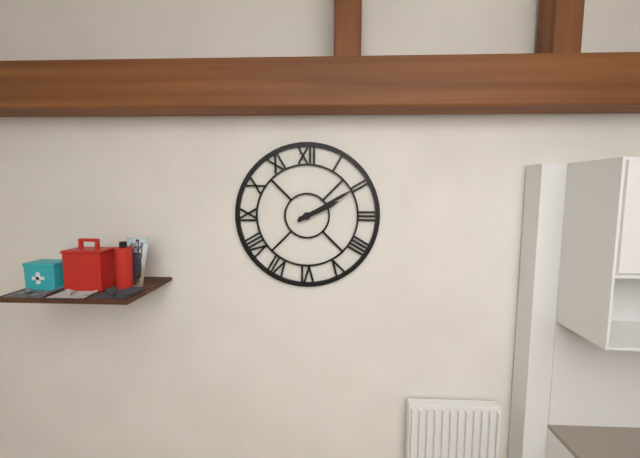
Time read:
h=2 m=10
